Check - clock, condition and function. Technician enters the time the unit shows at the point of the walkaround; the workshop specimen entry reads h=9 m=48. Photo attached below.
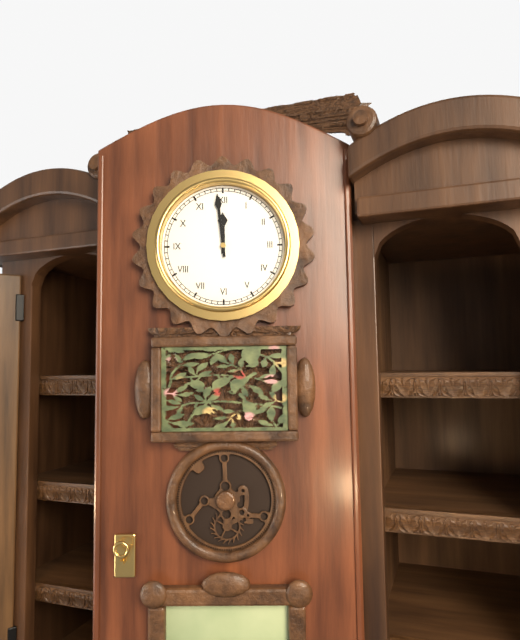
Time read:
h=11 m=59
